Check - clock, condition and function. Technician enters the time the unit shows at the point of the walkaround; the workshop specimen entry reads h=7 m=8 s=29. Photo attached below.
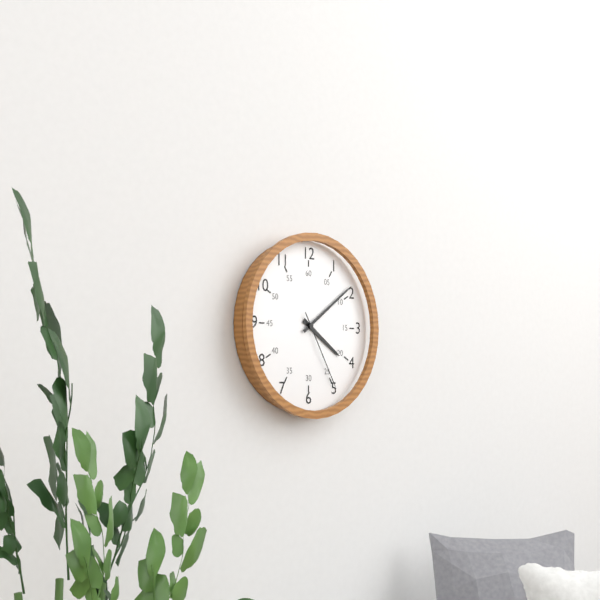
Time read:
h=4 m=9 s=25
